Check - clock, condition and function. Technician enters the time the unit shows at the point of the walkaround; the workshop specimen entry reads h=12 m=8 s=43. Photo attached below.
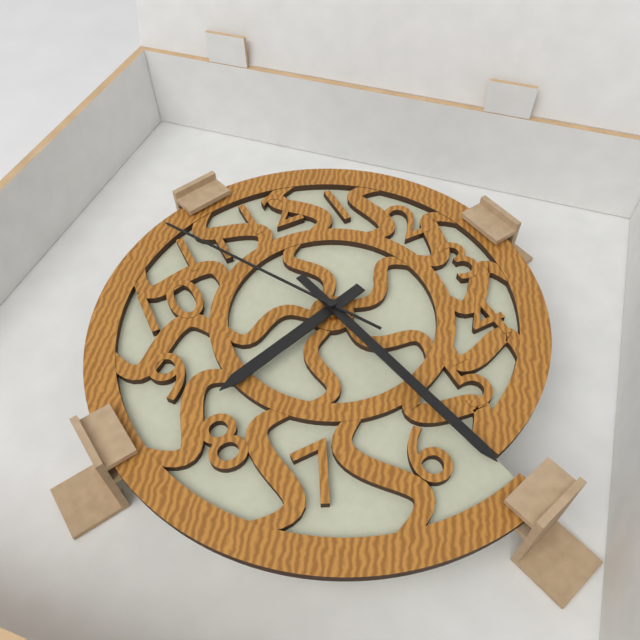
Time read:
h=8 m=28 s=55
